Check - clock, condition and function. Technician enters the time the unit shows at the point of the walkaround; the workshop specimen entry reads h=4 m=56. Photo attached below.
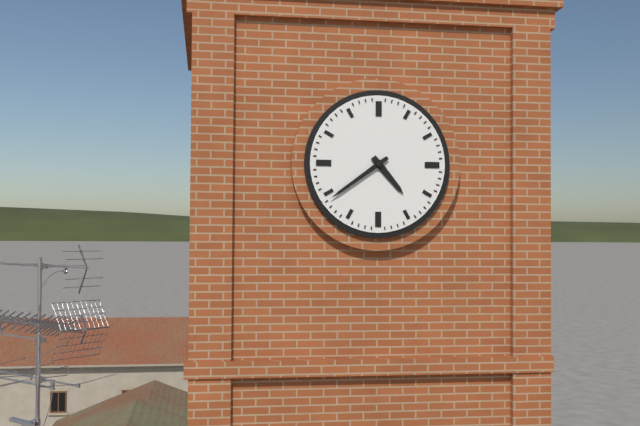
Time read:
h=4 m=39
